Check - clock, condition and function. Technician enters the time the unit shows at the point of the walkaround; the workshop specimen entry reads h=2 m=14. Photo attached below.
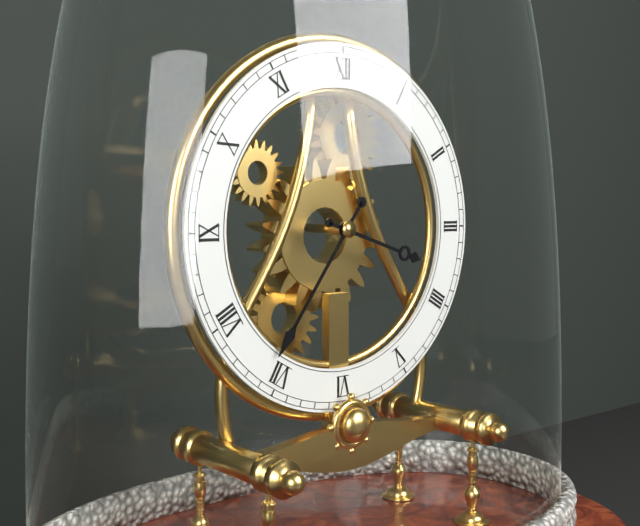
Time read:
h=3 m=36
